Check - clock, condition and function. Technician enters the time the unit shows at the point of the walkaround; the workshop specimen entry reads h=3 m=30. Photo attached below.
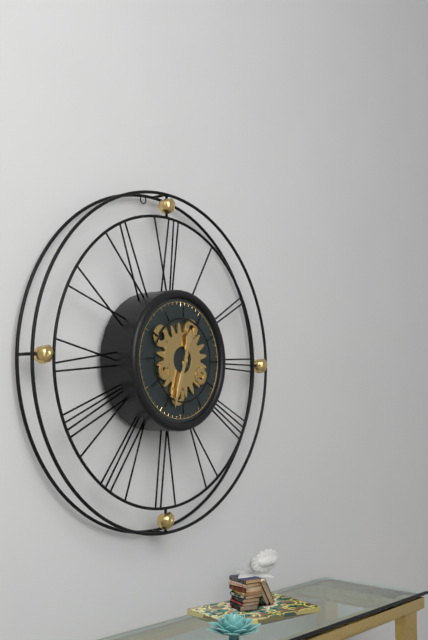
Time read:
h=12 m=33
